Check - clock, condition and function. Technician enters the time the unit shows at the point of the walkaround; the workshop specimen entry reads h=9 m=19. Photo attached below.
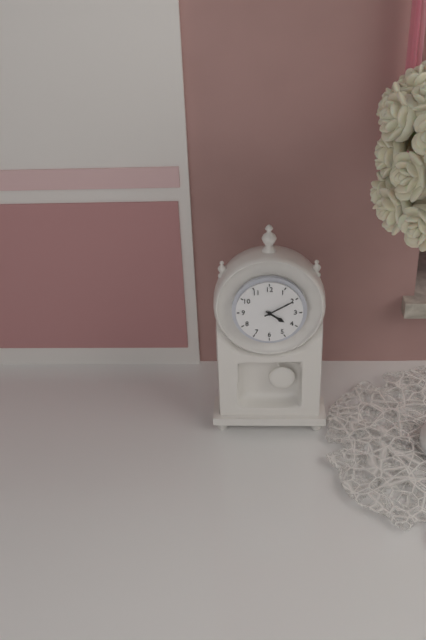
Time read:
h=4 m=10
